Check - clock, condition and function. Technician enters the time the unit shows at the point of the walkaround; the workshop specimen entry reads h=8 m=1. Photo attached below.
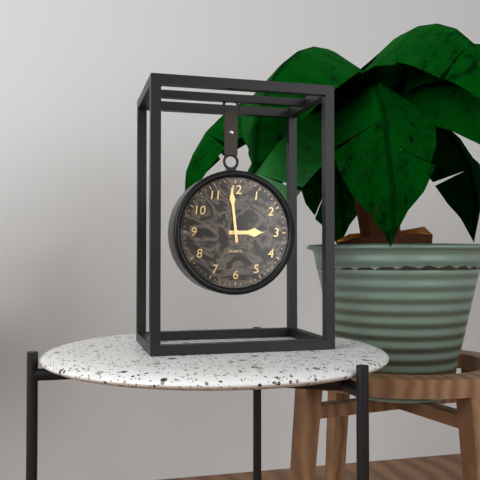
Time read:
h=2 m=59
